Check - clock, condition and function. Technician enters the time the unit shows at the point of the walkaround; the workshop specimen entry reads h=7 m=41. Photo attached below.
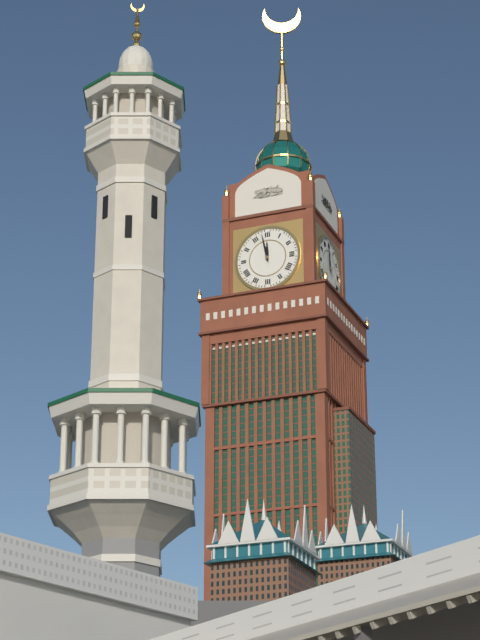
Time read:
h=11 m=58
